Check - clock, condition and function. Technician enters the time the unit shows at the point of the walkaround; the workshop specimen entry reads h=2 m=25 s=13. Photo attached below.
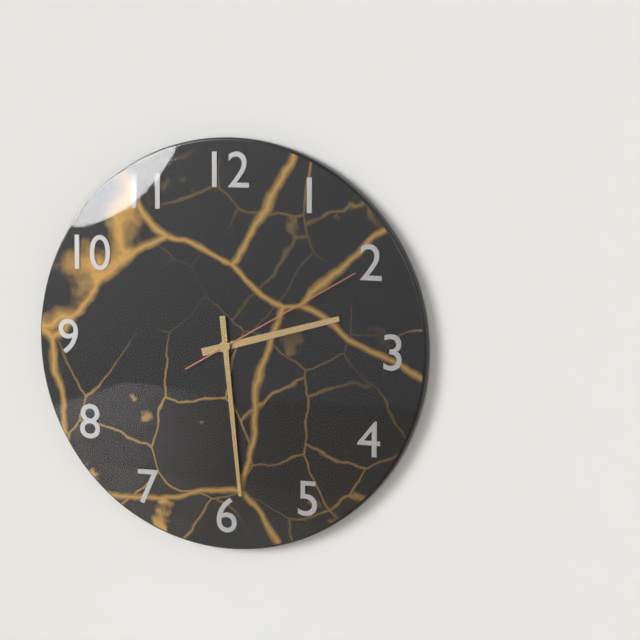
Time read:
h=2 m=29 s=10
